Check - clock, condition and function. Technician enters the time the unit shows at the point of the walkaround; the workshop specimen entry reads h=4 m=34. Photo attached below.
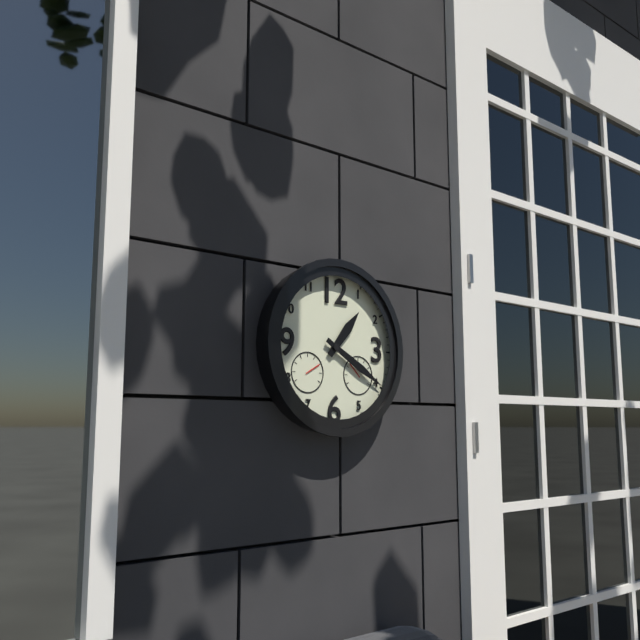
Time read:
h=1 m=20
